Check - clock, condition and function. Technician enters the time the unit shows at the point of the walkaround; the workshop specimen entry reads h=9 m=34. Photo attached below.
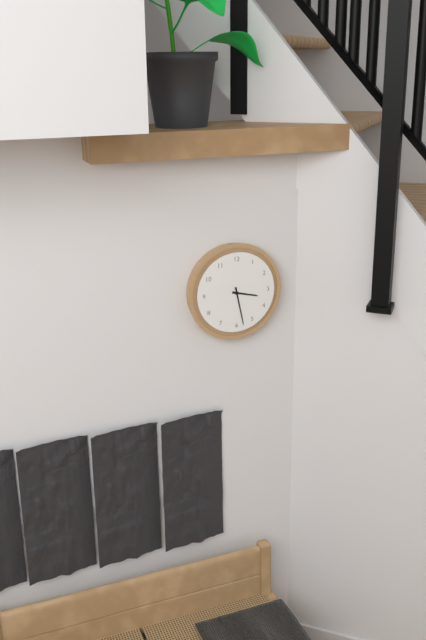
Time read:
h=3 m=28
